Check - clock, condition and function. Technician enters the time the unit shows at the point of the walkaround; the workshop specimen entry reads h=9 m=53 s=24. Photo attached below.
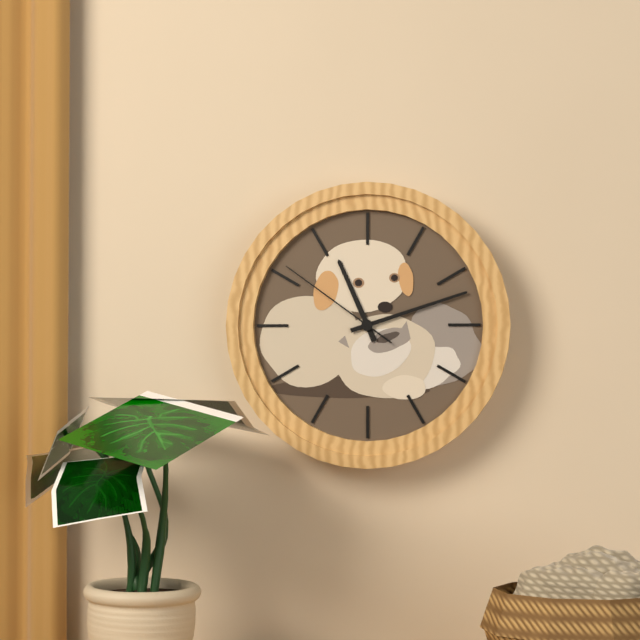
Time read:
h=11 m=12 s=51
